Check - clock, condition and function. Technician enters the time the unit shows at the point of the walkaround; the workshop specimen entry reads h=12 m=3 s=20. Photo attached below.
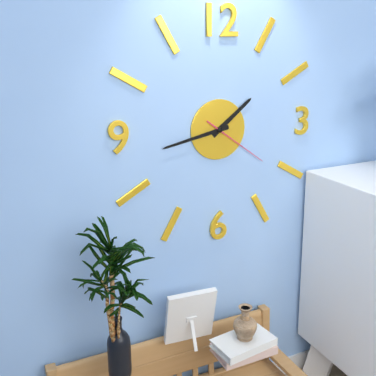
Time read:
h=1 m=43 s=21
